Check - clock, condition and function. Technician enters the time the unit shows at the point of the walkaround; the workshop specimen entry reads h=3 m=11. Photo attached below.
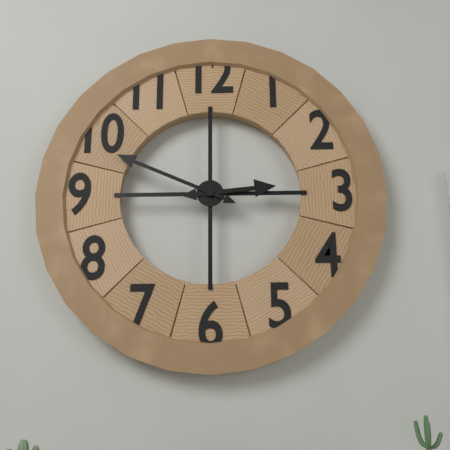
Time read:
h=2 m=49
